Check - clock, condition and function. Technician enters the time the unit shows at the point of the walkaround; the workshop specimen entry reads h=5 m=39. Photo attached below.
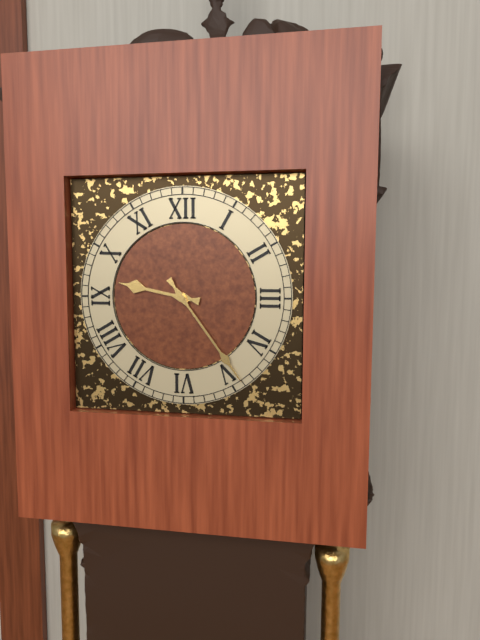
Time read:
h=9 m=24
